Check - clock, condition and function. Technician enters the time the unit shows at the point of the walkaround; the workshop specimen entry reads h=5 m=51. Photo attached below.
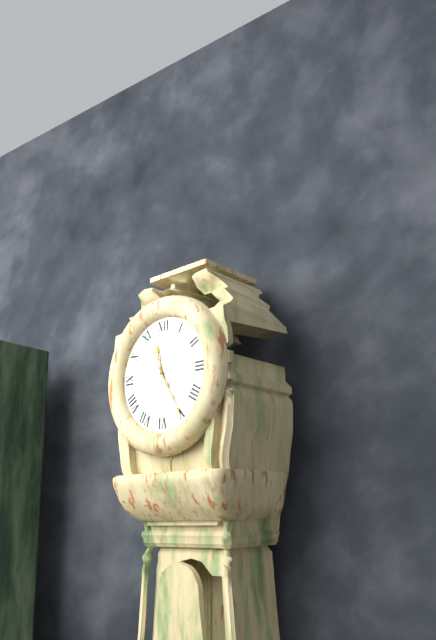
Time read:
h=11 m=25
